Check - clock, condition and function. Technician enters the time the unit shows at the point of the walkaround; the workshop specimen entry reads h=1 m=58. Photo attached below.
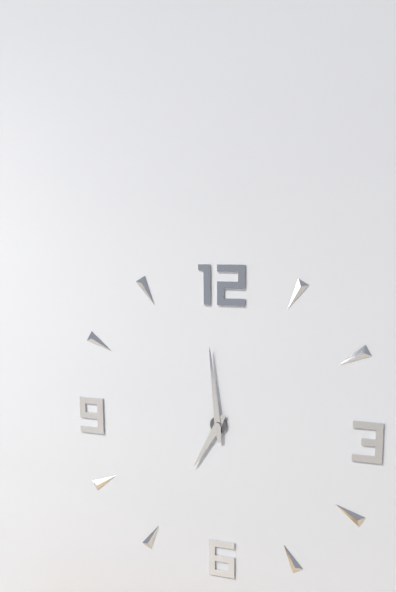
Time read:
h=6 m=59
